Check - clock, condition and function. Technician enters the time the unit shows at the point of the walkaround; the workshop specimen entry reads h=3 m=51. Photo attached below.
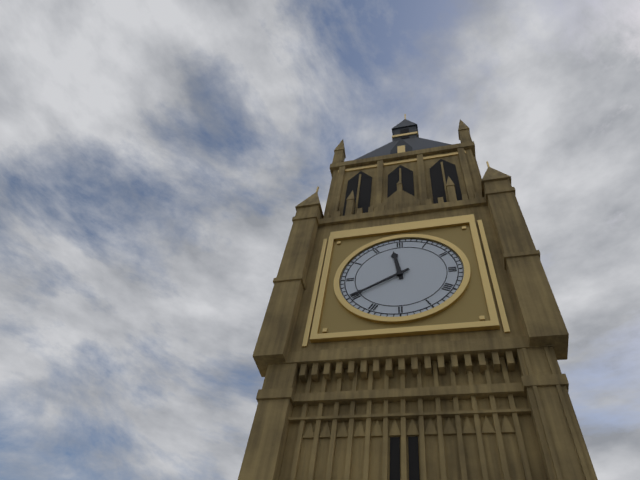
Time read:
h=11 m=40
